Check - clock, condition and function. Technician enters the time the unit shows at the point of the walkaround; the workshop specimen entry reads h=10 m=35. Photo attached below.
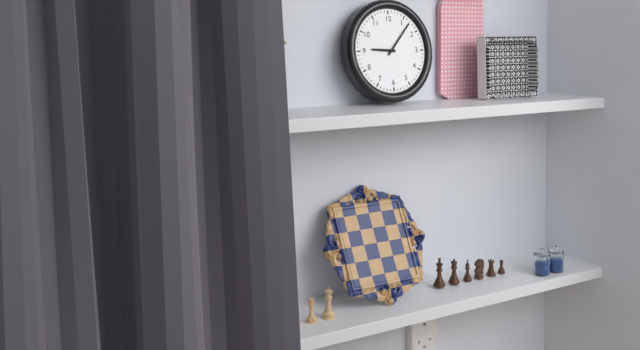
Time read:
h=9 m=7
